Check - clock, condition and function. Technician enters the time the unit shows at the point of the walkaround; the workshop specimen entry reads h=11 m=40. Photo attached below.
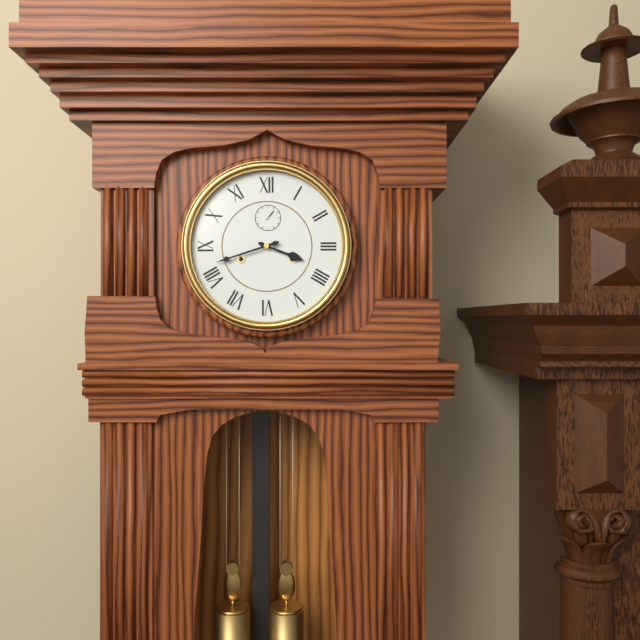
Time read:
h=3 m=42
